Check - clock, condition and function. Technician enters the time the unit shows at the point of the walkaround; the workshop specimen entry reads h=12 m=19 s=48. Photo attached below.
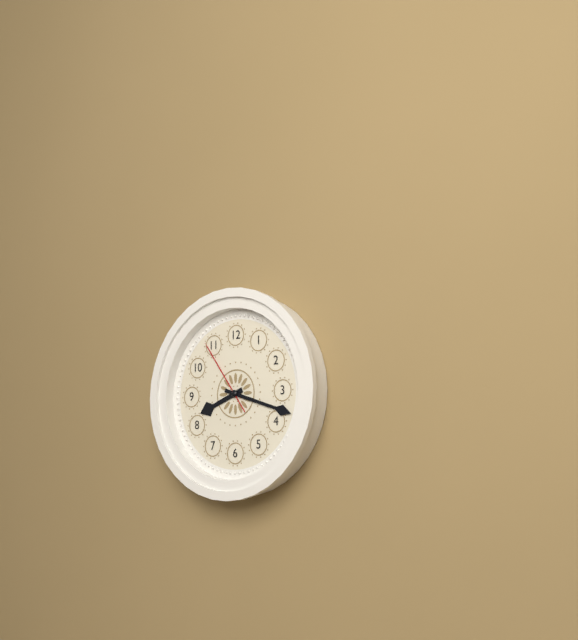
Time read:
h=8 m=18 s=54
